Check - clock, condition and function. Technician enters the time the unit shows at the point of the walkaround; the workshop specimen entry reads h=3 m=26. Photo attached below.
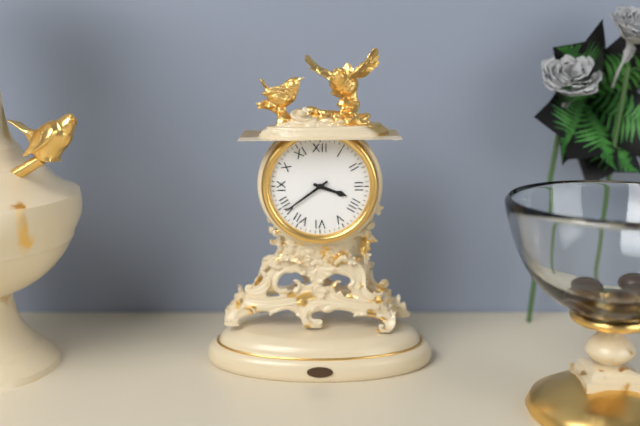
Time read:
h=3 m=39
